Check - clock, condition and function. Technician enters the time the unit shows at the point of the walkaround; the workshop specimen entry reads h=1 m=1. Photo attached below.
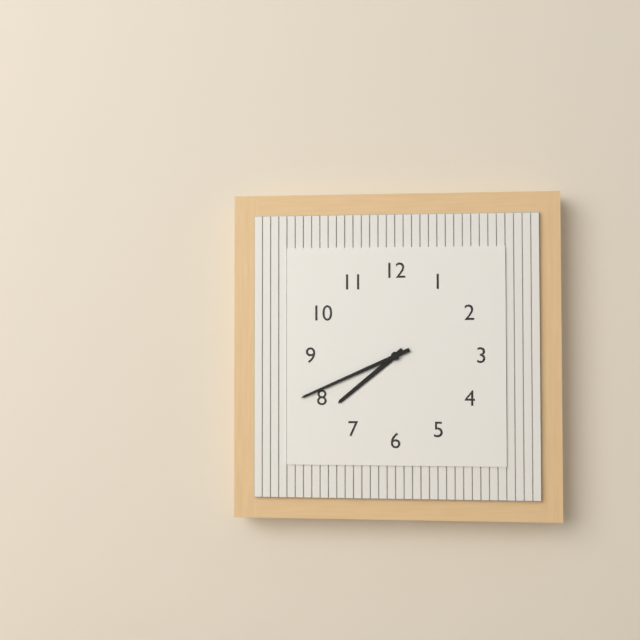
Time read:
h=7 m=41
